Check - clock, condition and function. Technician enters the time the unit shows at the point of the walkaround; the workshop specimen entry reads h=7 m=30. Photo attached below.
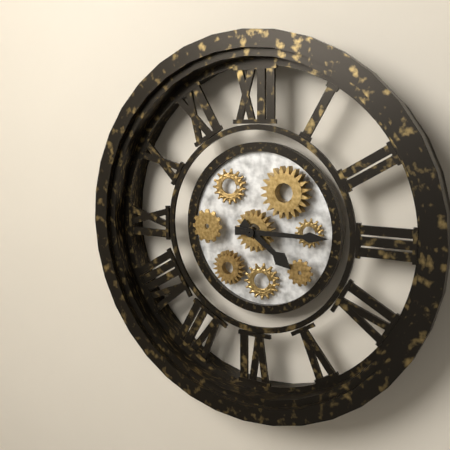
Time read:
h=4 m=15
